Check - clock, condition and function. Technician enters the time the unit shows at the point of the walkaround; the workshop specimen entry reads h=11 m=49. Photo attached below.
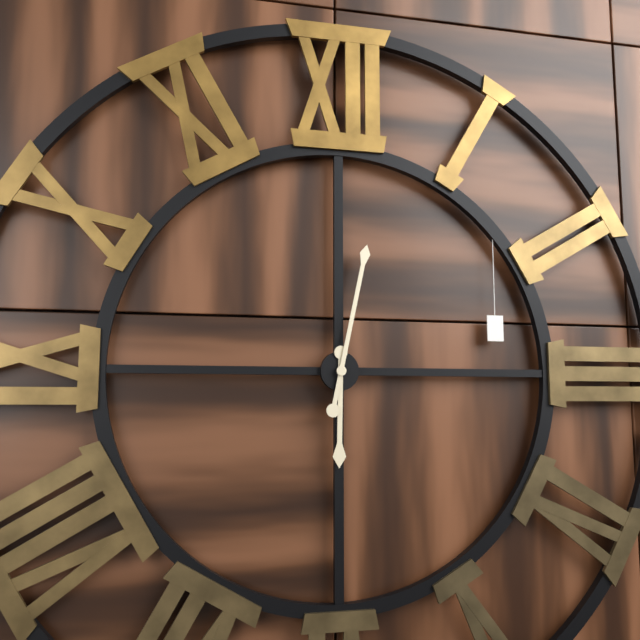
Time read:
h=6 m=2
